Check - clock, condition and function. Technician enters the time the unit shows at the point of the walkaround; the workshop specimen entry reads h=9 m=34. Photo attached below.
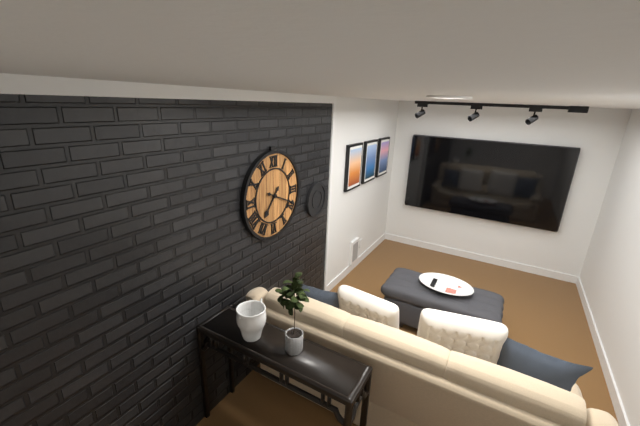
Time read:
h=7 m=19
